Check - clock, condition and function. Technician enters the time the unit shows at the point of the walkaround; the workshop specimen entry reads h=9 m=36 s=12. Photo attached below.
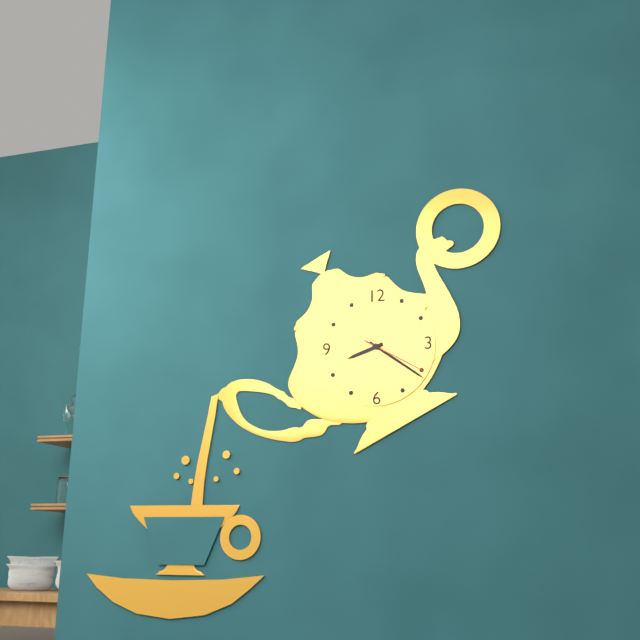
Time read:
h=8 m=21 s=20
